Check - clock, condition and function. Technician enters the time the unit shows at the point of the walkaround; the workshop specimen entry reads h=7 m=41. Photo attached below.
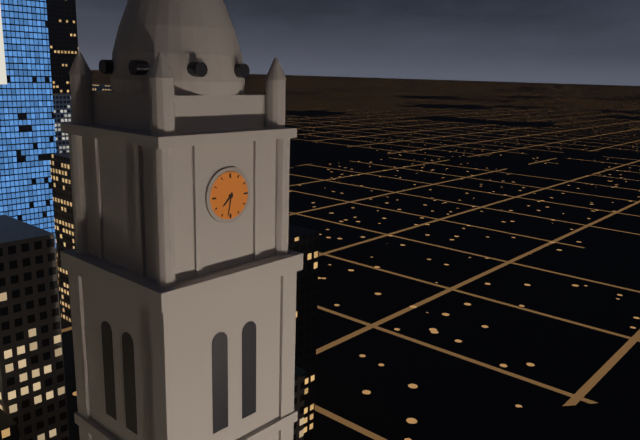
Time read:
h=7 m=32
